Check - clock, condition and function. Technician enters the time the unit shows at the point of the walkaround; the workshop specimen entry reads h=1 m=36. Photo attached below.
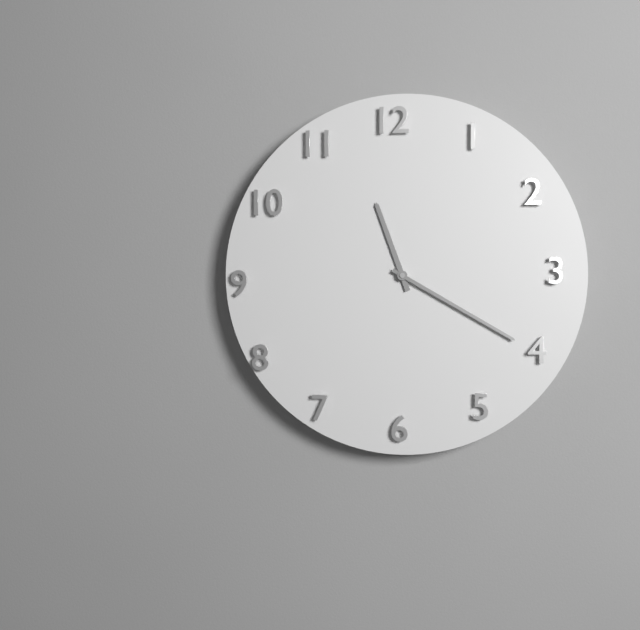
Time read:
h=11 m=20
